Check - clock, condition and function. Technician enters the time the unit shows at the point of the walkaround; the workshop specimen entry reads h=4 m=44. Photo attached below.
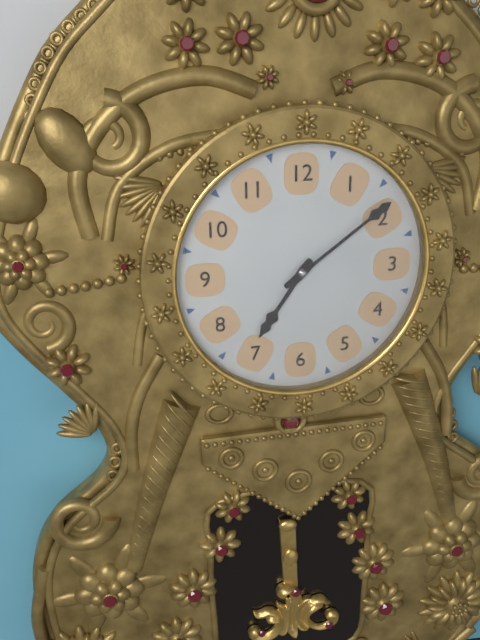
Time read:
h=7 m=9
